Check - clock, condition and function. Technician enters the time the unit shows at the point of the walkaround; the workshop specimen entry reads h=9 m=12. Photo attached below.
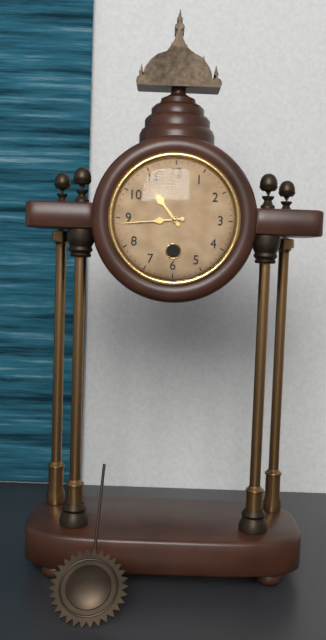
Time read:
h=10 m=44
